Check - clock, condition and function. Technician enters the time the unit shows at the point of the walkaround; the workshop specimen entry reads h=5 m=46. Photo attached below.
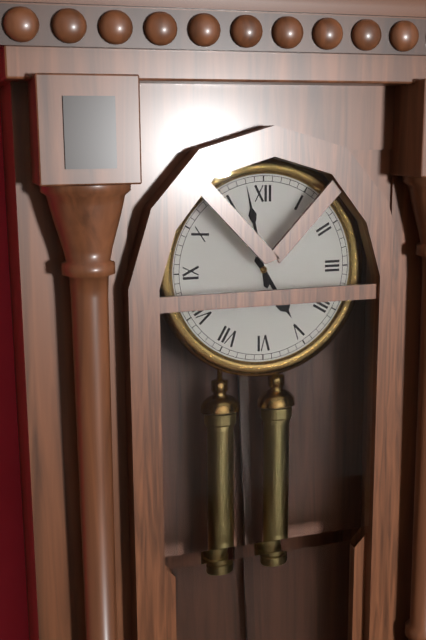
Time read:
h=4 m=58
